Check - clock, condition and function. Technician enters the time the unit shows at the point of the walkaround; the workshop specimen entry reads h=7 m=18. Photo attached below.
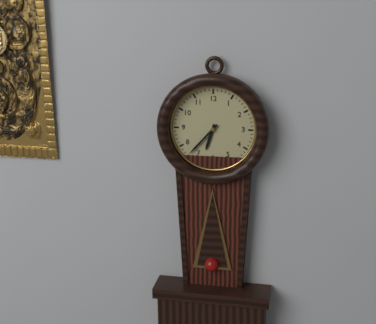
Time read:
h=6 m=37
